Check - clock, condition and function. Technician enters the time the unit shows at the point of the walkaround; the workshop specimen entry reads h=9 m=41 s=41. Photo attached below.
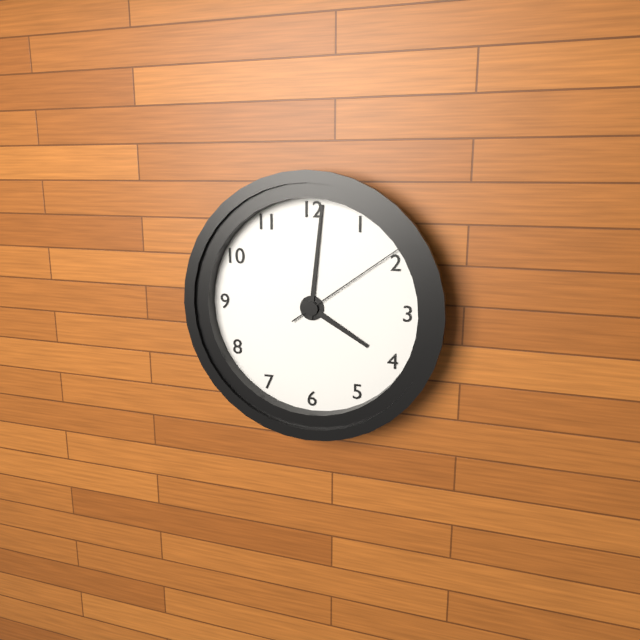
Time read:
h=4 m=1 s=9
